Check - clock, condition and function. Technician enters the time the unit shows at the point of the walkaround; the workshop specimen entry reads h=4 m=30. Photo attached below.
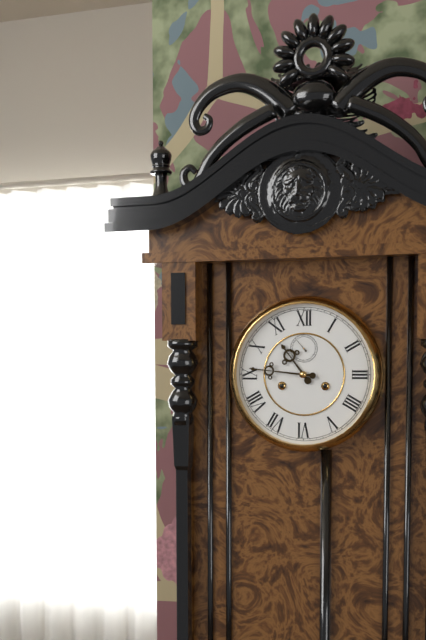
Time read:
h=10 m=46
